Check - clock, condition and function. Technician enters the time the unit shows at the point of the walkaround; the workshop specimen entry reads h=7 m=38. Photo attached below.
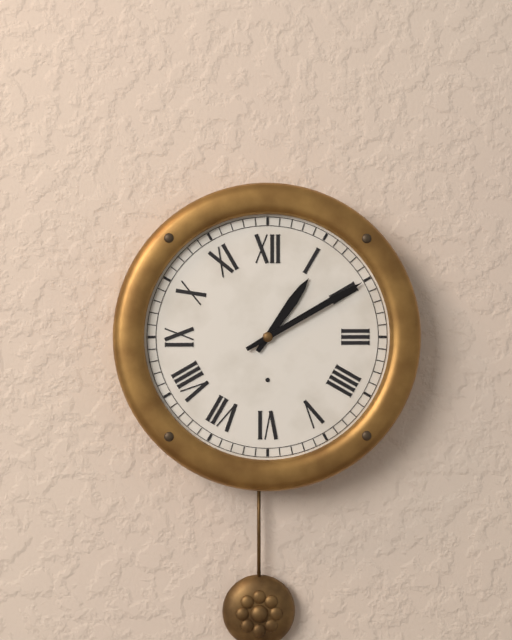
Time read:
h=1 m=10
